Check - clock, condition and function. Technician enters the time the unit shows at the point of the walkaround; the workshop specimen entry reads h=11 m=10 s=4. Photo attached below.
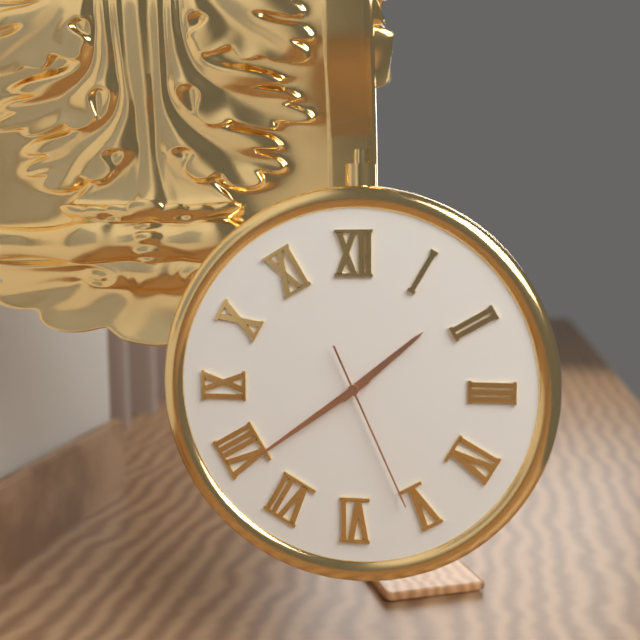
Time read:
h=1 m=39 s=26
